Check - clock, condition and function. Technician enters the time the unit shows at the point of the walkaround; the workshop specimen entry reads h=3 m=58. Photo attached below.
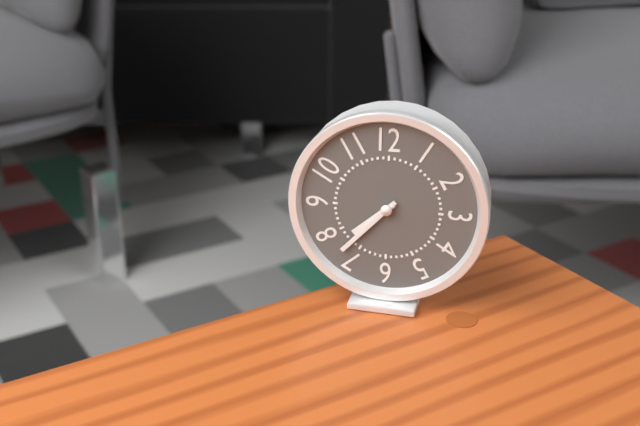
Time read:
h=7 m=37
